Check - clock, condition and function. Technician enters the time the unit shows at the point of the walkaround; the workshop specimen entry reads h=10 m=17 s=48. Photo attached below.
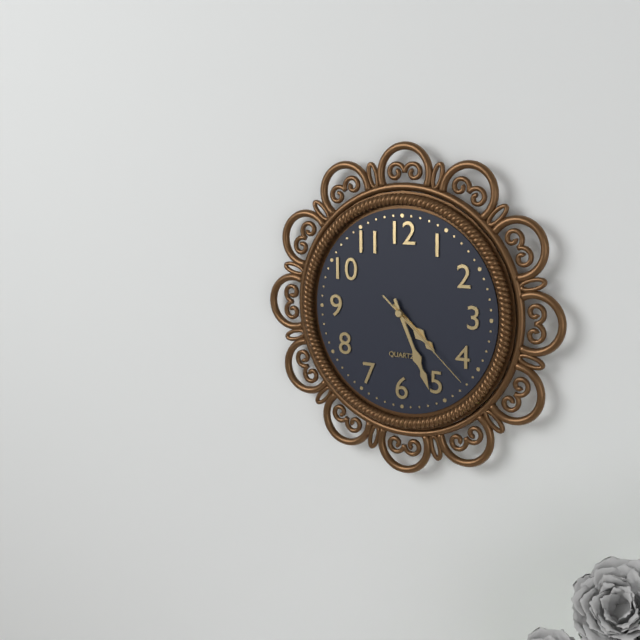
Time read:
h=4 m=26 s=22
